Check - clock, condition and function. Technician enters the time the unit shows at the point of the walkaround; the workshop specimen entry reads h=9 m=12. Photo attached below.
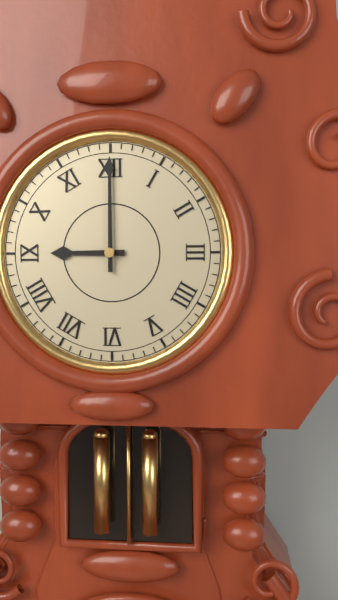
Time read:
h=9 m=0
